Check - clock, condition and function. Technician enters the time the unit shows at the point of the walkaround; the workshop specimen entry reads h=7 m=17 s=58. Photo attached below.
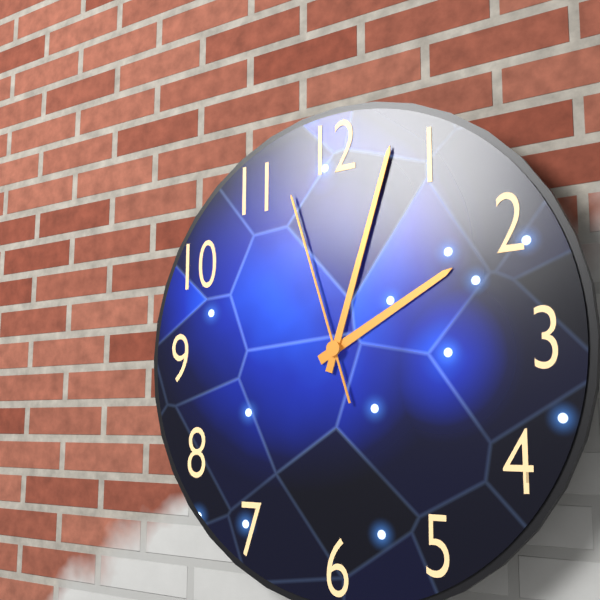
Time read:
h=2 m=3 s=57
